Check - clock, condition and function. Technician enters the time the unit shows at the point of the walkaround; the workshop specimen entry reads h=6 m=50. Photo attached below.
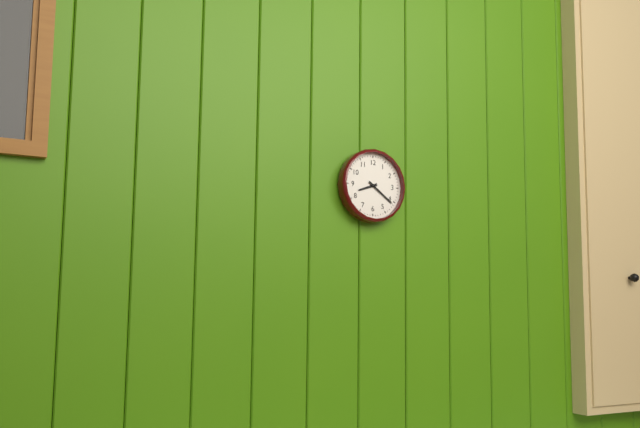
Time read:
h=8 m=21
